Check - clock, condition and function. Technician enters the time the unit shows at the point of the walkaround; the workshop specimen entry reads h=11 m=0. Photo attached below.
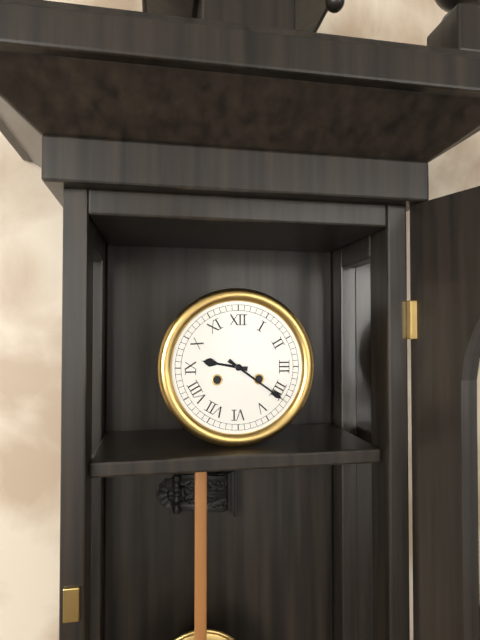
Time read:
h=9 m=21
